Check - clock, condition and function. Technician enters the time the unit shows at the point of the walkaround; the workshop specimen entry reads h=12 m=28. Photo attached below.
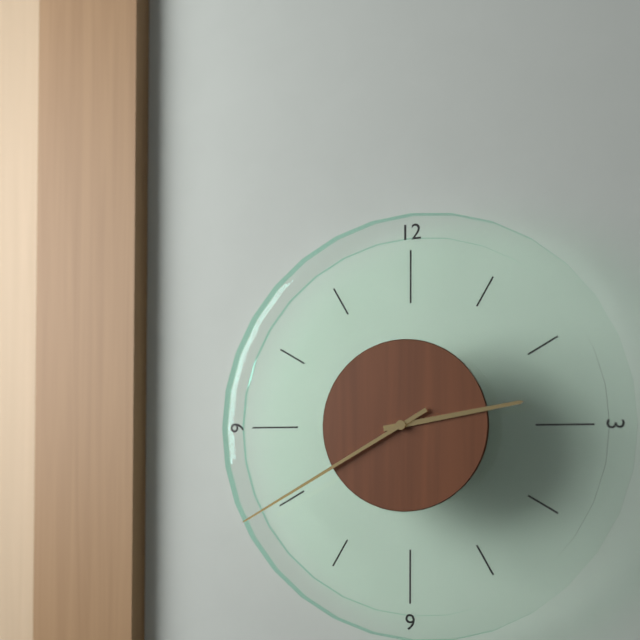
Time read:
h=2 m=40
